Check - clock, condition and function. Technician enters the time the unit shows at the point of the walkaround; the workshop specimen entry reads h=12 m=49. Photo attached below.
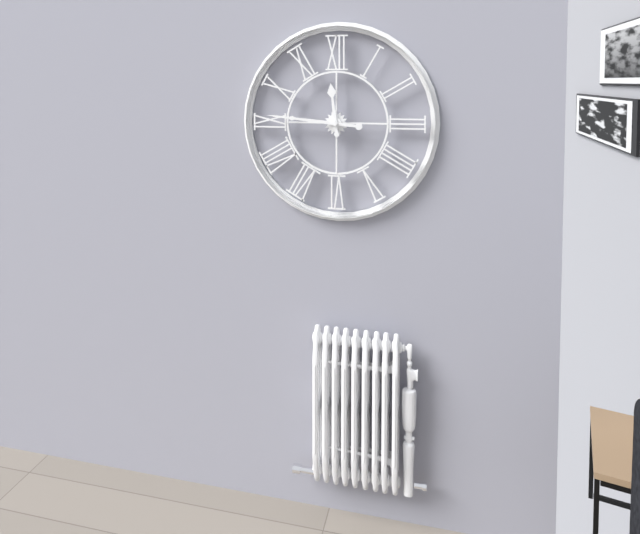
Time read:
h=11 m=46
